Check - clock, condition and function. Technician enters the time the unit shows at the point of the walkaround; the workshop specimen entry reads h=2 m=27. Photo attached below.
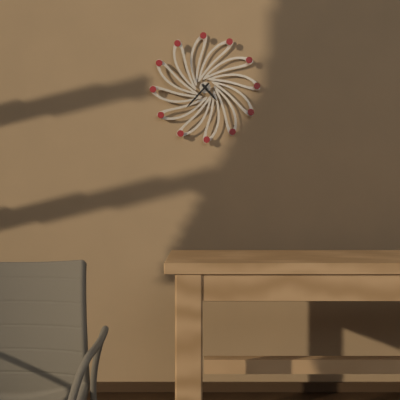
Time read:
h=4 m=37
